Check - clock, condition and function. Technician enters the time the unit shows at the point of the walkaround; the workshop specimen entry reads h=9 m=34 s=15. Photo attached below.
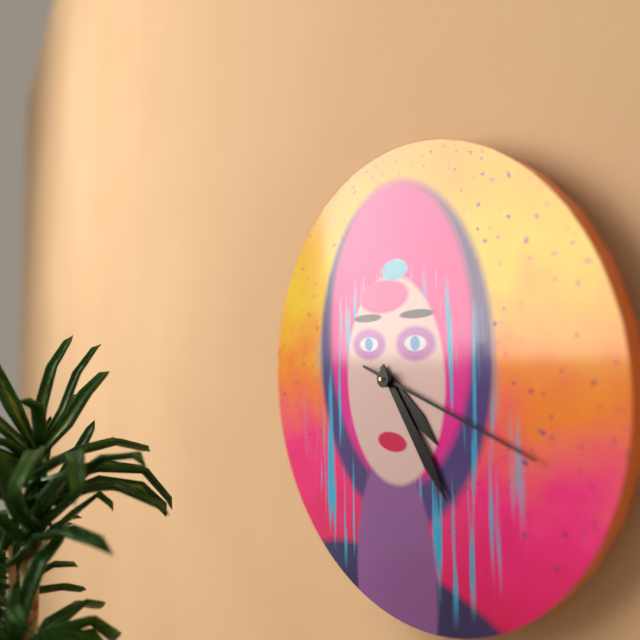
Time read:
h=4 m=24 s=18
